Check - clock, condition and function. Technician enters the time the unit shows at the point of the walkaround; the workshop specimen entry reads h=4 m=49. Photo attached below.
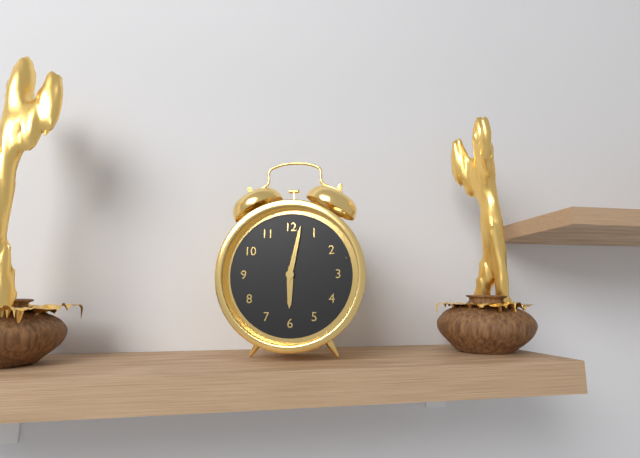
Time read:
h=6 m=2
